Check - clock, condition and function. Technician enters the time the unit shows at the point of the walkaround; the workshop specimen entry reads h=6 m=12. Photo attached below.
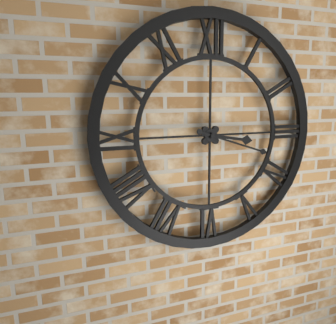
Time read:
h=3 m=18
